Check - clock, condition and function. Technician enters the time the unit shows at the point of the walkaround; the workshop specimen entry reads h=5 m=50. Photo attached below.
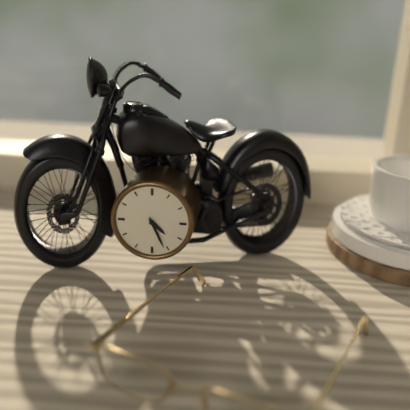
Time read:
h=4 m=26
